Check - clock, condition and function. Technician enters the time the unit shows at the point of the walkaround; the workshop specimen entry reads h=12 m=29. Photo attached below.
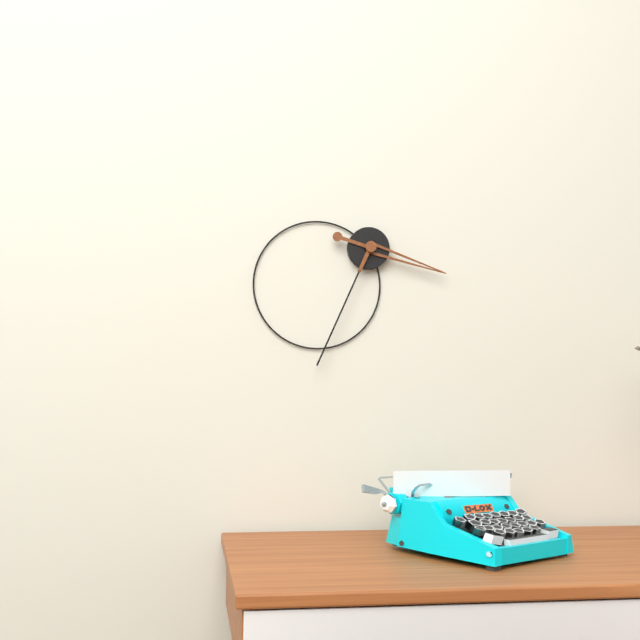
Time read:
h=3 m=34
